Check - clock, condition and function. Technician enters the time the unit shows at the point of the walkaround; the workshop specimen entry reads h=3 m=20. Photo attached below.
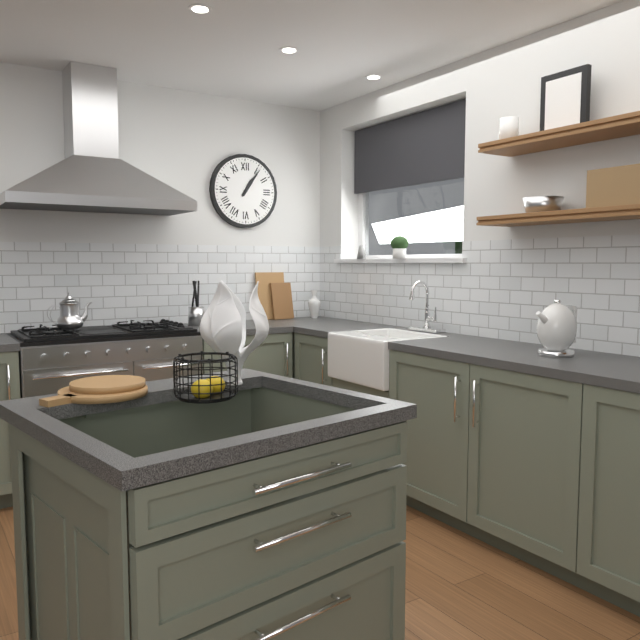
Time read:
h=1 m=6
